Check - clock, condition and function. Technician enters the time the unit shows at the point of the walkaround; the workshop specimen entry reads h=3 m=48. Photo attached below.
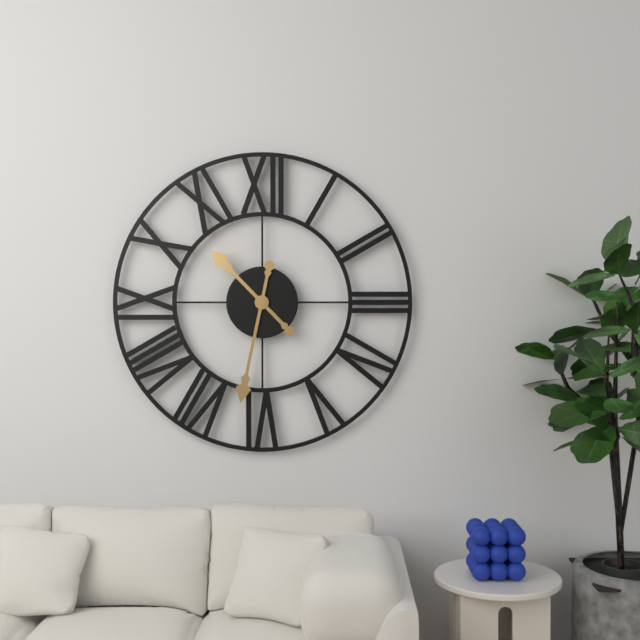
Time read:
h=10 m=32
